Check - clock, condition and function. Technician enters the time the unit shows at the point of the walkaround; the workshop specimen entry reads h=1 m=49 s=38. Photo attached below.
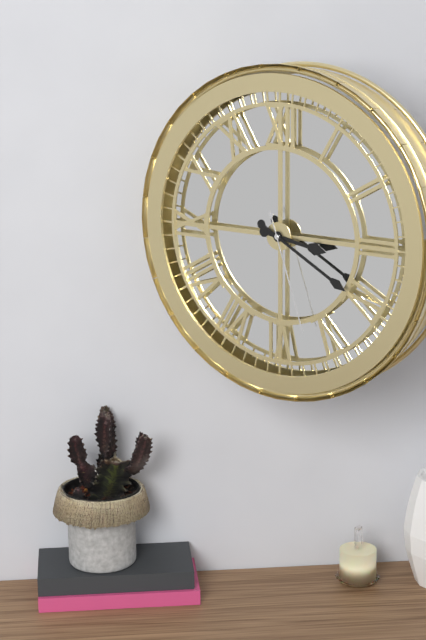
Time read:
h=3 m=20 s=27
